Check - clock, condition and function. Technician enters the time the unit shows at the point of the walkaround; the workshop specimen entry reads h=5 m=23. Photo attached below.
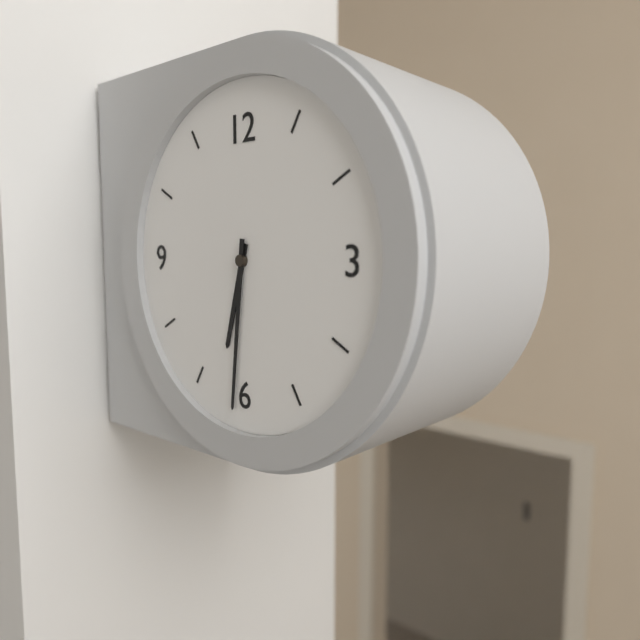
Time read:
h=6 m=31
